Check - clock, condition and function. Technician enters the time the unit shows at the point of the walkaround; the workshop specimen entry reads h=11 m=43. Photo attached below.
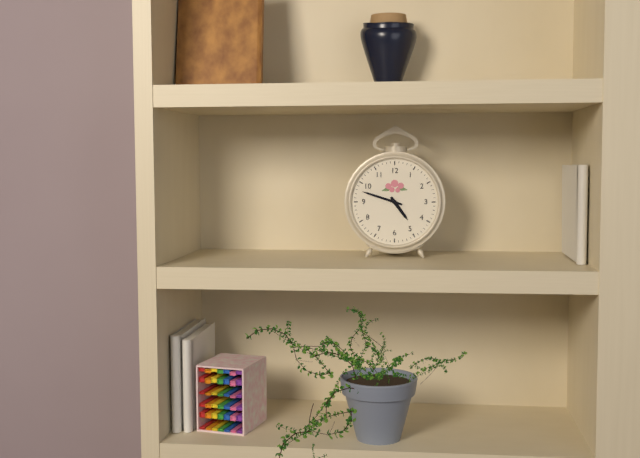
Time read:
h=4 m=48
